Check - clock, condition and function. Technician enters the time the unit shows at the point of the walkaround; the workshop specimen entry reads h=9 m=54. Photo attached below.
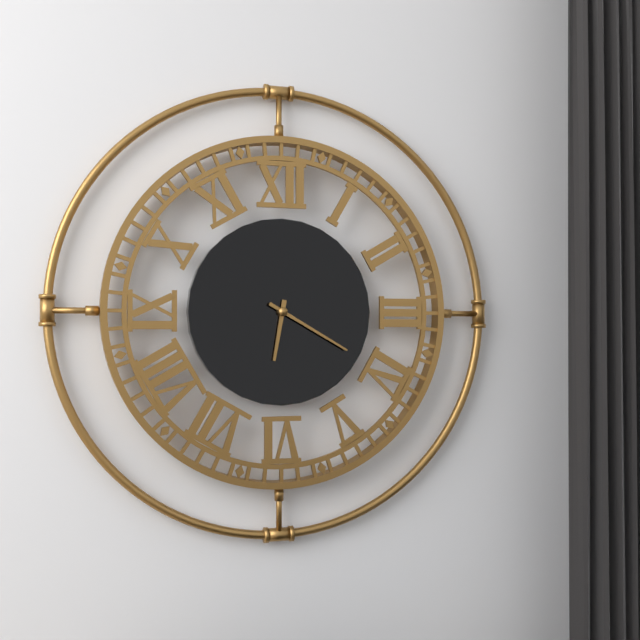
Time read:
h=6 m=20
